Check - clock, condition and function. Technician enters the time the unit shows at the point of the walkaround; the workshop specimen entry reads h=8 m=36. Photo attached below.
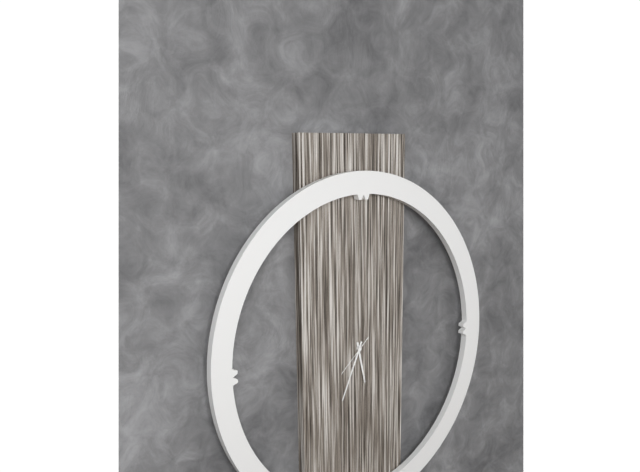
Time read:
h=5 m=34
